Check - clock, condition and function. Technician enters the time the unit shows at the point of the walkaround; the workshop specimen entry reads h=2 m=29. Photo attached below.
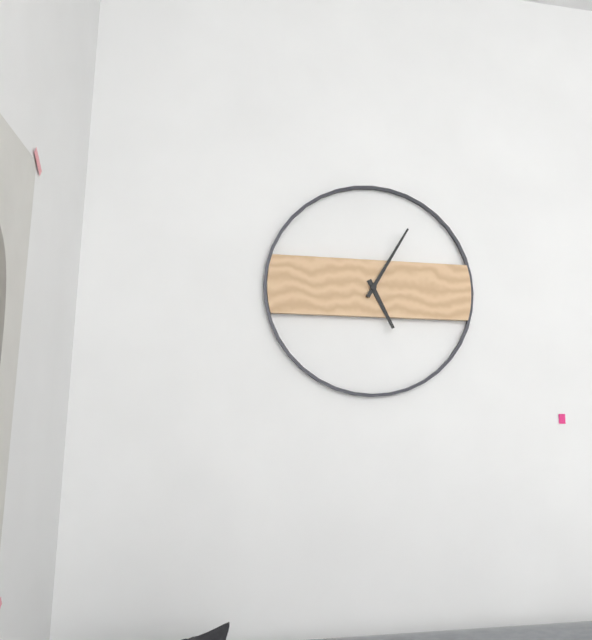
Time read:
h=5 m=5
